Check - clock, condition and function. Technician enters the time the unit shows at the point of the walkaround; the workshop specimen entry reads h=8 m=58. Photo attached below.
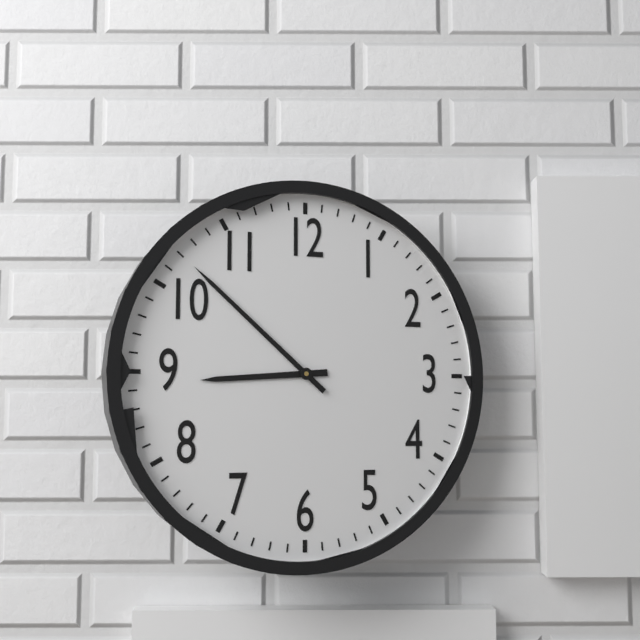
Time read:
h=8 m=52
